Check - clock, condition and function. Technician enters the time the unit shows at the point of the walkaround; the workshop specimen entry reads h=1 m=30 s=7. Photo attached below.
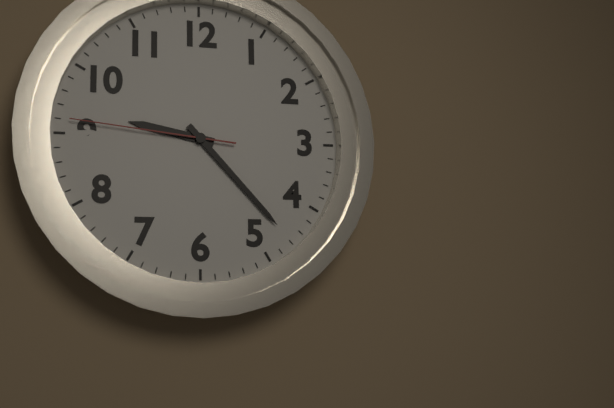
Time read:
h=9 m=23 s=46
